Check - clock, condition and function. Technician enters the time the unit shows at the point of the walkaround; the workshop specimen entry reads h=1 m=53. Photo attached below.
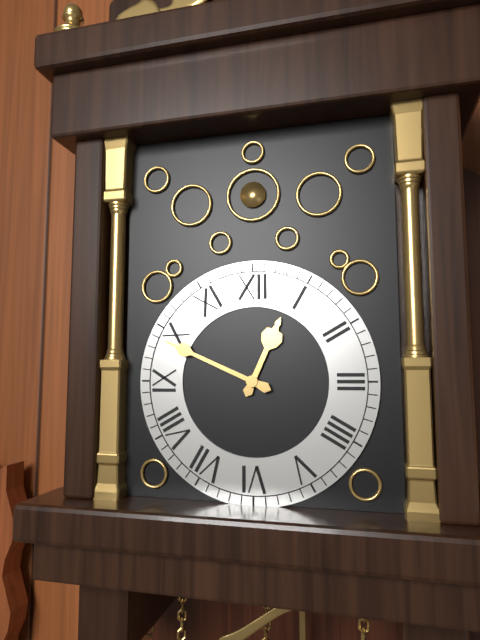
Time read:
h=12 m=49
